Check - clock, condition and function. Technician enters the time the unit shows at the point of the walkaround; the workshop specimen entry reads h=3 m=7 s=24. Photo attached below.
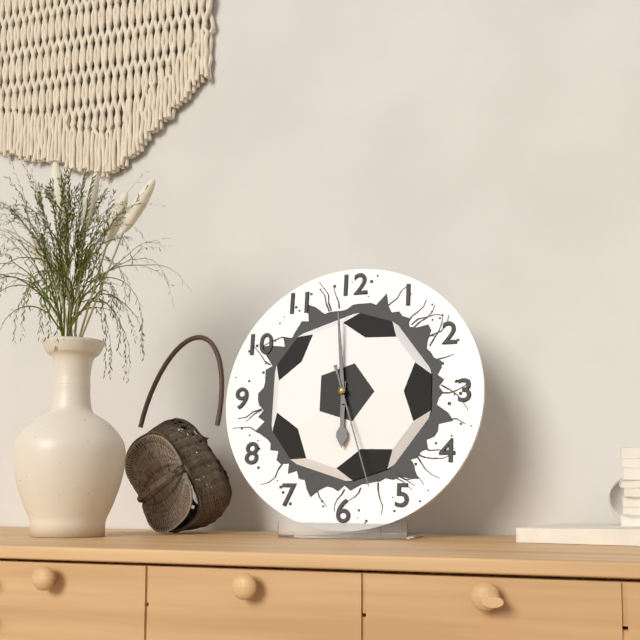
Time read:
h=5 m=59 s=27
